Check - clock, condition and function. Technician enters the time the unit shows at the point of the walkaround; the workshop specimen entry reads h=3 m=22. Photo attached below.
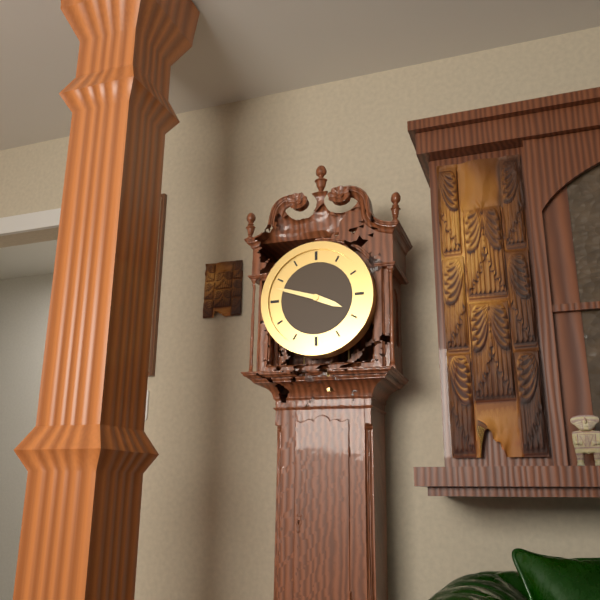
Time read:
h=3 m=48
